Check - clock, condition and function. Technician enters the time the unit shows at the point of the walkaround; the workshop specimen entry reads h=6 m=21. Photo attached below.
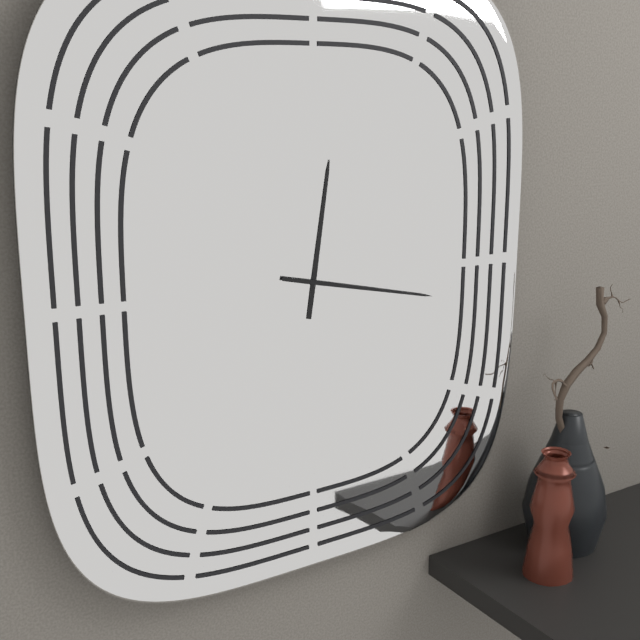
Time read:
h=12 m=17
